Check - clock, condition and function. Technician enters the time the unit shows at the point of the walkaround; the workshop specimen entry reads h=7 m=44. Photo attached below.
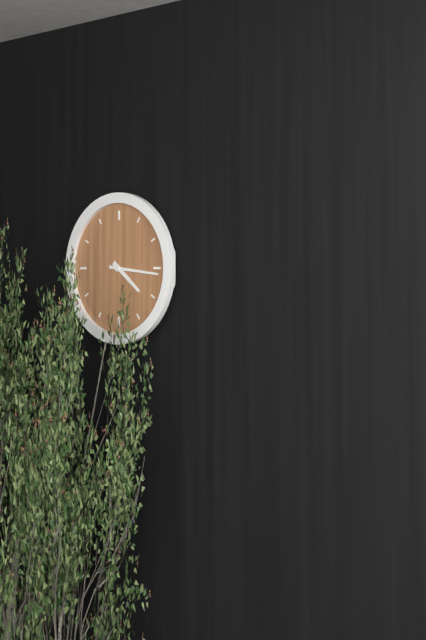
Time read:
h=4 m=16
